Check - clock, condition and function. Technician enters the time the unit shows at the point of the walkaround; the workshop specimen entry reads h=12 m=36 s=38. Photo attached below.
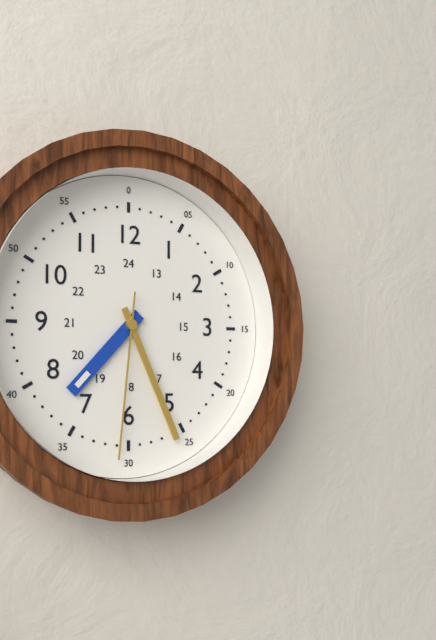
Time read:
h=7 m=26 s=31
